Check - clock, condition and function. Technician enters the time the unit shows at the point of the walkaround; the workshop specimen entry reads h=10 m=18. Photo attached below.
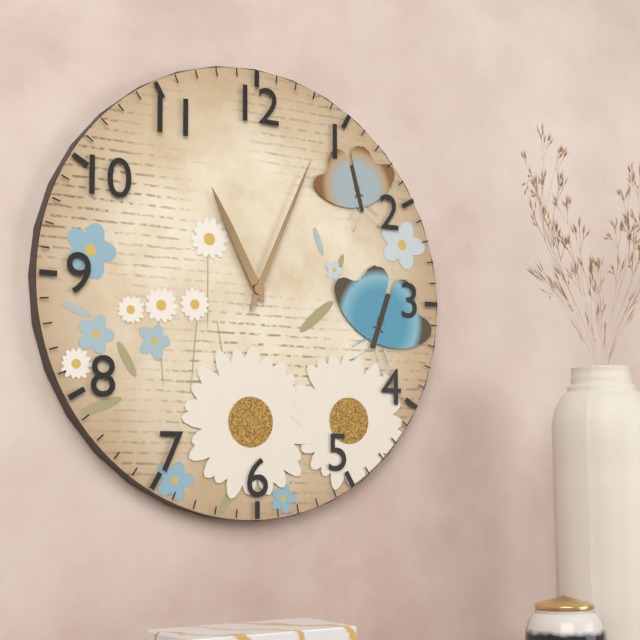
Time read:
h=11 m=4
